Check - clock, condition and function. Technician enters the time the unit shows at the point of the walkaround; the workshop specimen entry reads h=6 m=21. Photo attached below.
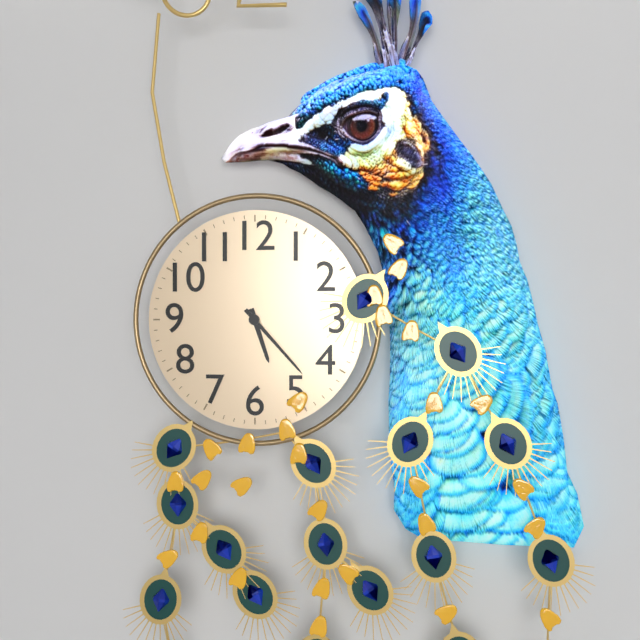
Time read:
h=5 m=23
